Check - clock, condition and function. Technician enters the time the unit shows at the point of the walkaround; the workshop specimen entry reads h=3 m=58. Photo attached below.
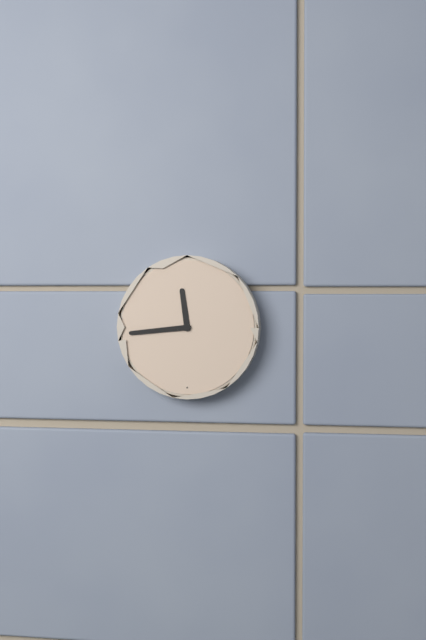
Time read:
h=11 m=44
